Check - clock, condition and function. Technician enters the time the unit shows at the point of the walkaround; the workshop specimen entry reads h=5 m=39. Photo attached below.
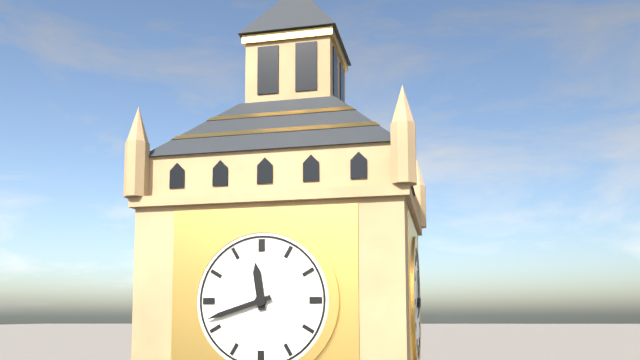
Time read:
h=11 m=42
